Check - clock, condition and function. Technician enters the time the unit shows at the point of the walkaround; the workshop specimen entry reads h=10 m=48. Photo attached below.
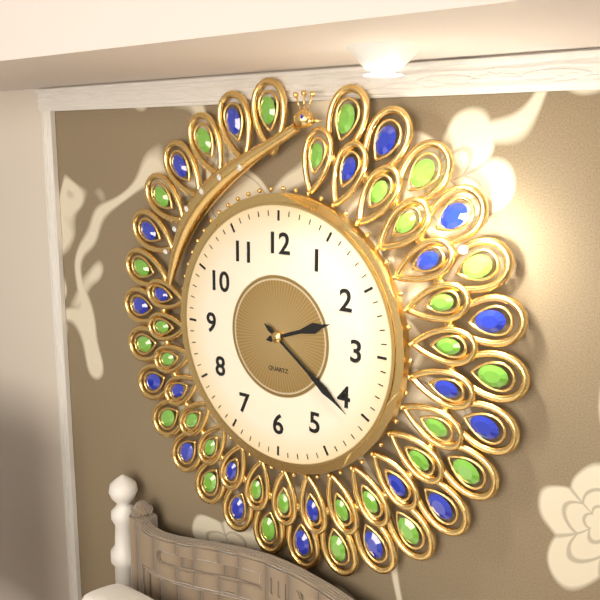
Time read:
h=2 m=21
